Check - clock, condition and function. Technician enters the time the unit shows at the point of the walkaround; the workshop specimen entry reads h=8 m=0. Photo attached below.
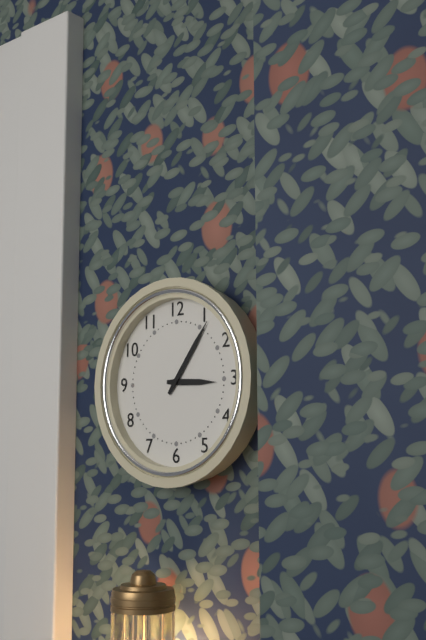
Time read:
h=3 m=6
